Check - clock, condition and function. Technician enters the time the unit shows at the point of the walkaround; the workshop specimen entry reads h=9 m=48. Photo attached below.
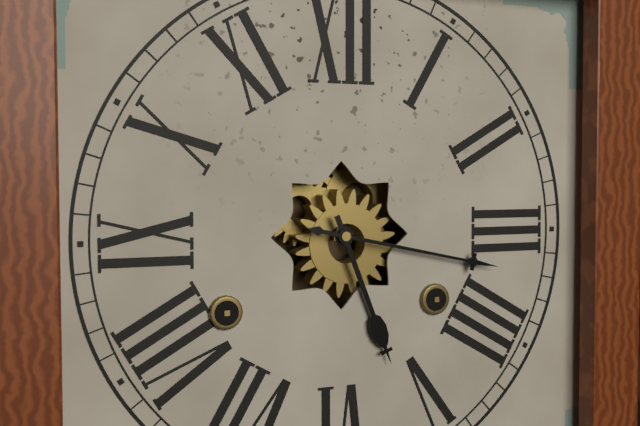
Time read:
h=5 m=17
